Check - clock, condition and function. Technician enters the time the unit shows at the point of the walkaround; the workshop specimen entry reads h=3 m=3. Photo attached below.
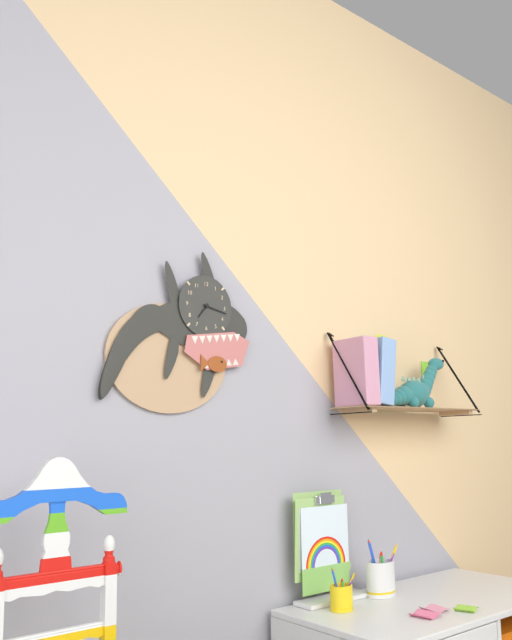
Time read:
h=7 m=17
